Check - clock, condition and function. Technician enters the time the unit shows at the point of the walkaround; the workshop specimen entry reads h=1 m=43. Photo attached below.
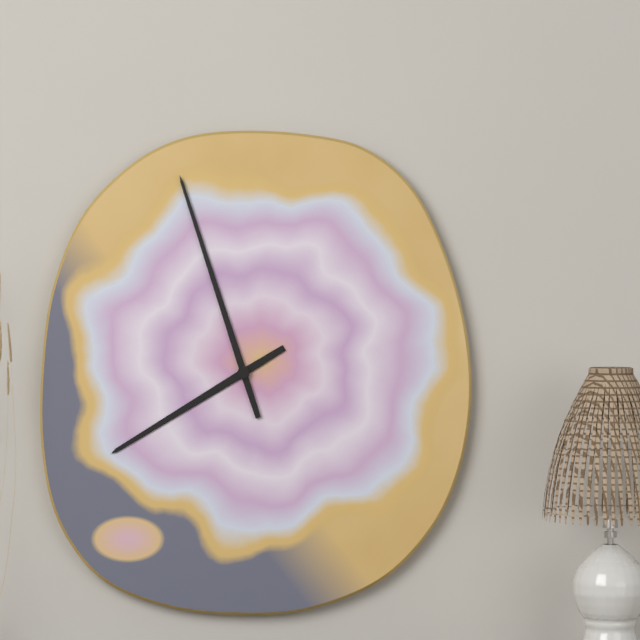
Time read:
h=7 m=57
